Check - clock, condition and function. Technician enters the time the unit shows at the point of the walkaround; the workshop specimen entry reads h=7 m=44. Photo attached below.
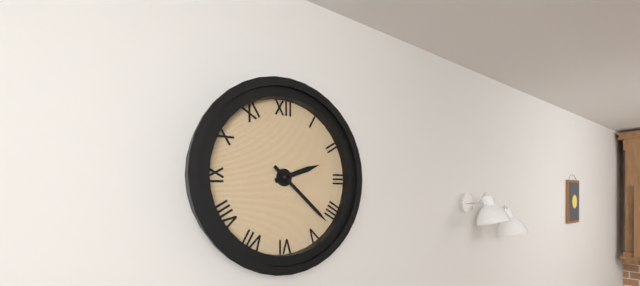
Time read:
h=2 m=22
